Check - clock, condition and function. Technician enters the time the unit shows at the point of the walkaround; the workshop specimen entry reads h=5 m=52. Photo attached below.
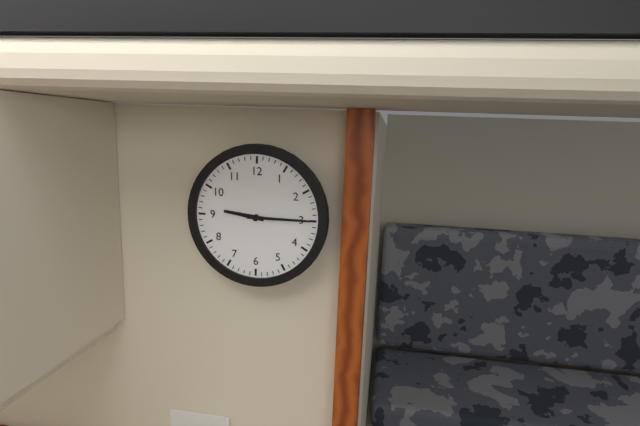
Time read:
h=9 m=15
